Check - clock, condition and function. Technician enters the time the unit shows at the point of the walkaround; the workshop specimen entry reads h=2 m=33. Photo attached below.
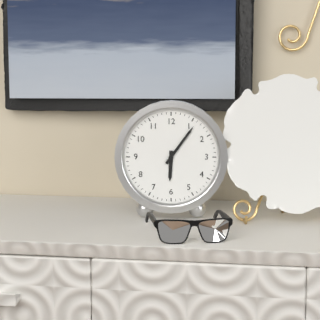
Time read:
h=6 m=6
